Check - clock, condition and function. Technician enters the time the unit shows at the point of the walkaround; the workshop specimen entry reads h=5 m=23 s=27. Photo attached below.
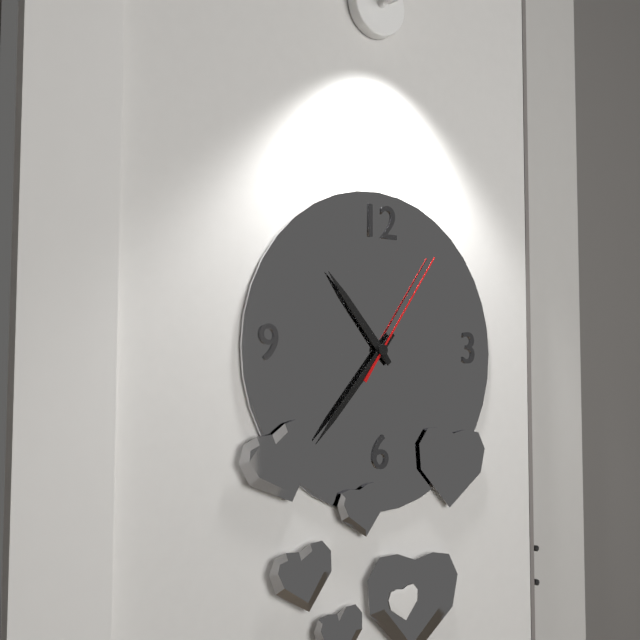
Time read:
h=10 m=37 s=6
